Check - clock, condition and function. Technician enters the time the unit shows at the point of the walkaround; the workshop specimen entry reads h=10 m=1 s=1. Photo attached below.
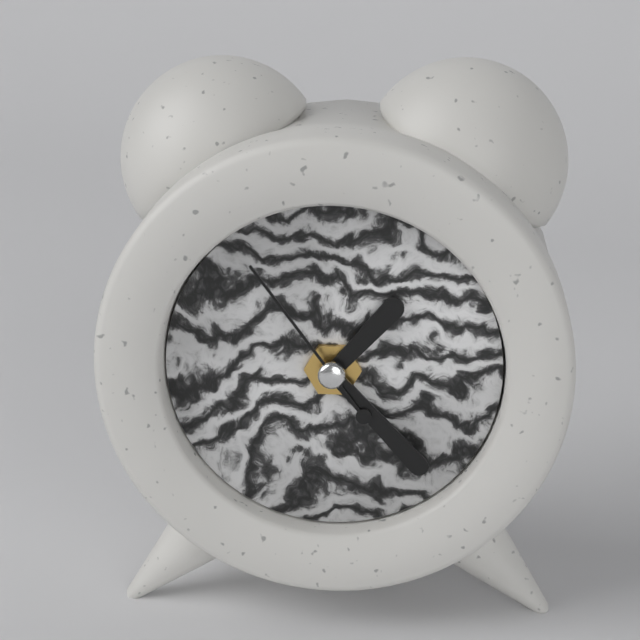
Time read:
h=1 m=23 s=54
